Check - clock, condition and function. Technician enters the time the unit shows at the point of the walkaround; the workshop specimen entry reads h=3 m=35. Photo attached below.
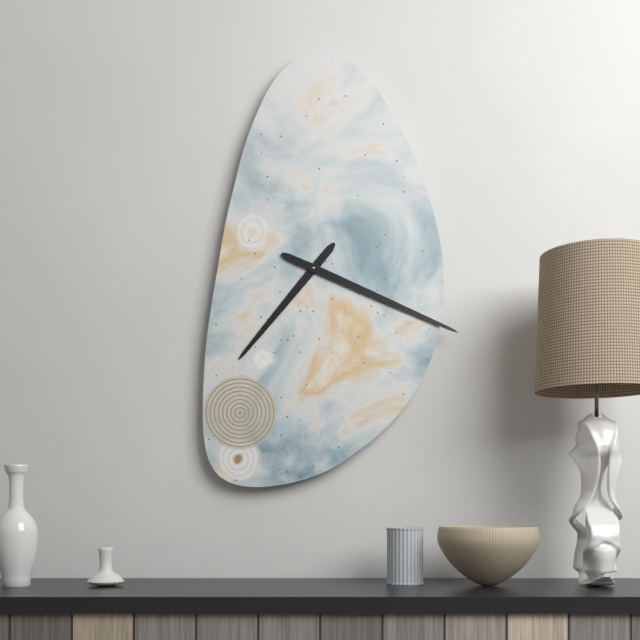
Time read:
h=7 m=19
